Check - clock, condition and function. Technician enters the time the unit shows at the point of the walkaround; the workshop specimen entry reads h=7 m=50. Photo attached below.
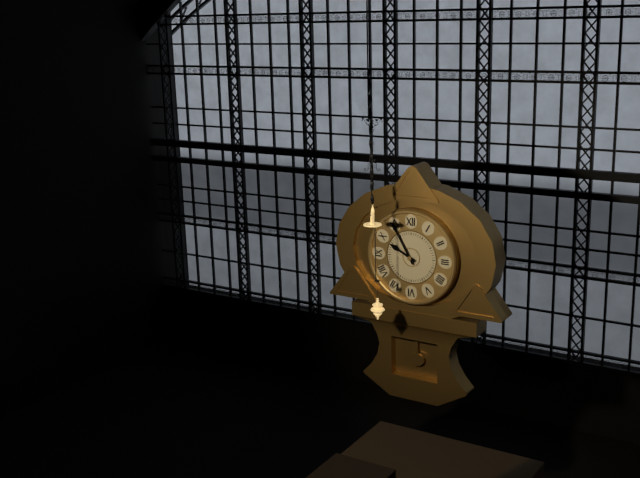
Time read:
h=9 m=55
